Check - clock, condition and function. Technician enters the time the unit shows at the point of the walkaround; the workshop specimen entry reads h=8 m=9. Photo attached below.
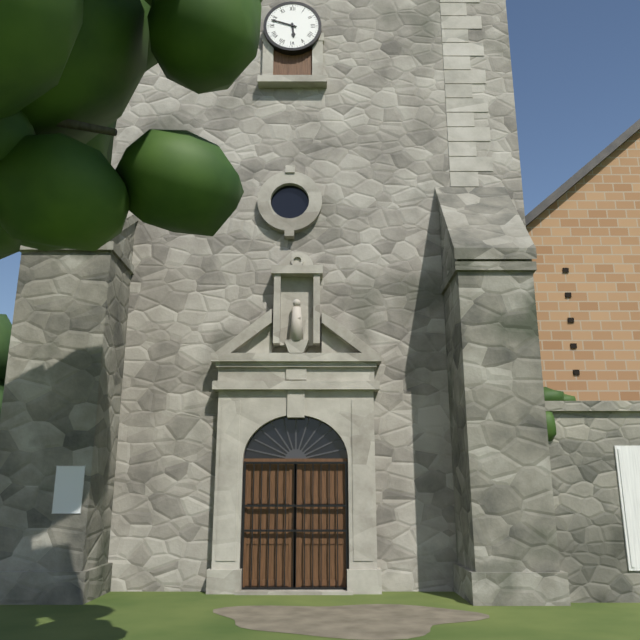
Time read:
h=5 m=48
